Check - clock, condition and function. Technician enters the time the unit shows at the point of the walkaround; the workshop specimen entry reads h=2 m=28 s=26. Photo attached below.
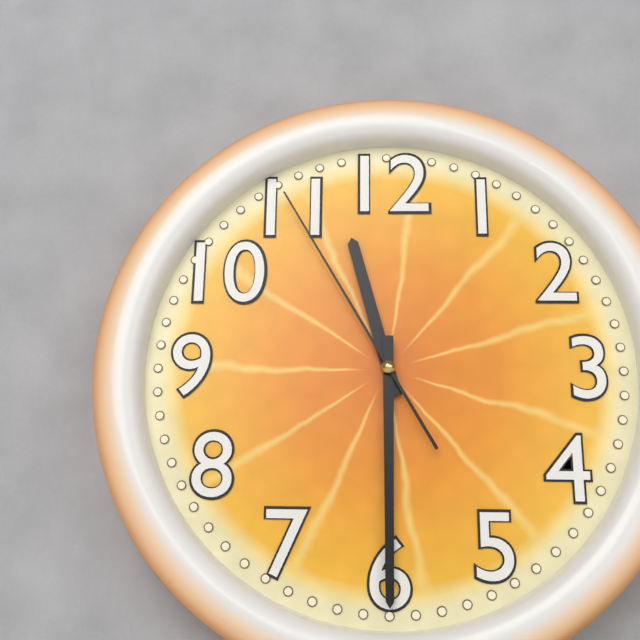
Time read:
h=11 m=30 s=55
